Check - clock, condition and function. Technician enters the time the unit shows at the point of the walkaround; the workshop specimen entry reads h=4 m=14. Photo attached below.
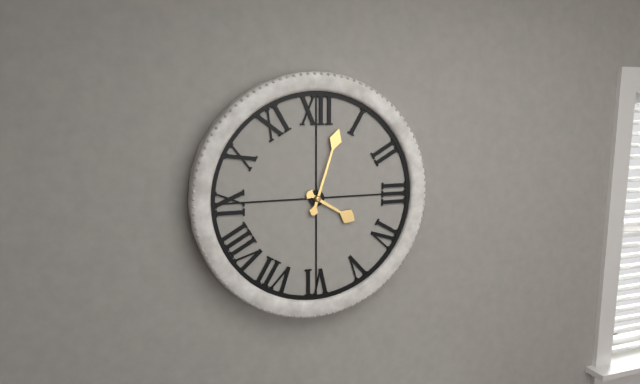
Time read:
h=4 m=3
